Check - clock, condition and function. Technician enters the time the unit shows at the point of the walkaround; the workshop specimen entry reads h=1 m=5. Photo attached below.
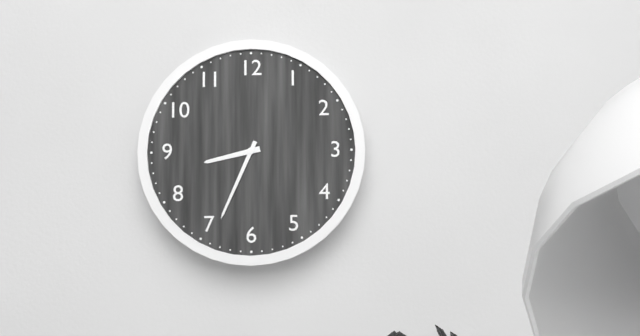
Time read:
h=8 m=34
